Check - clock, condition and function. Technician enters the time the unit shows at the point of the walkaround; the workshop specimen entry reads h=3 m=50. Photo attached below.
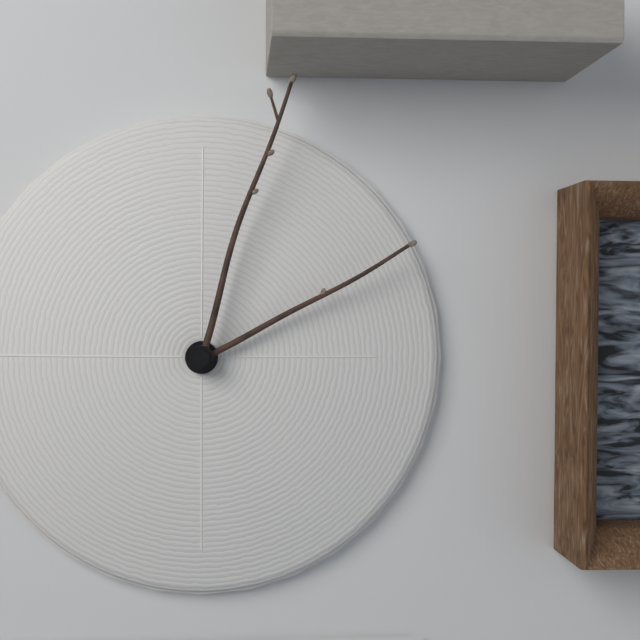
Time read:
h=2 m=3
